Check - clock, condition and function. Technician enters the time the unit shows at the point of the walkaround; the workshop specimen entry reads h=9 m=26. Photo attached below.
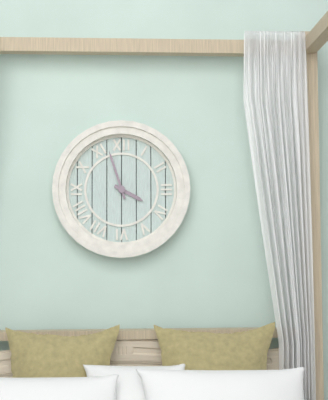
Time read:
h=3 m=57
